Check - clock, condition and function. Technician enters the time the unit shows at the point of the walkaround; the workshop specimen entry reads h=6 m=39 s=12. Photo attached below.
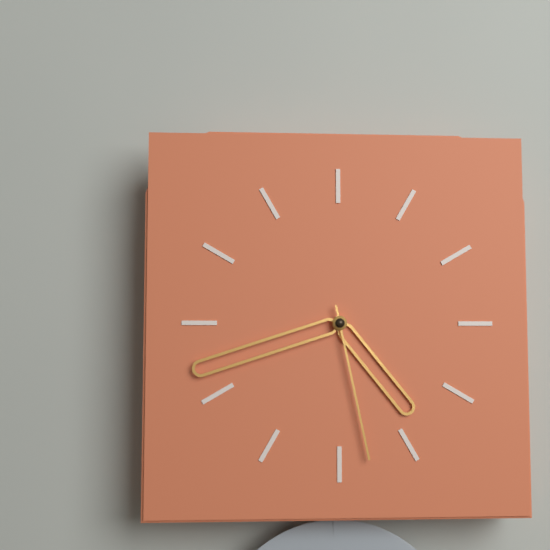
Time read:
h=4 m=42 s=28
